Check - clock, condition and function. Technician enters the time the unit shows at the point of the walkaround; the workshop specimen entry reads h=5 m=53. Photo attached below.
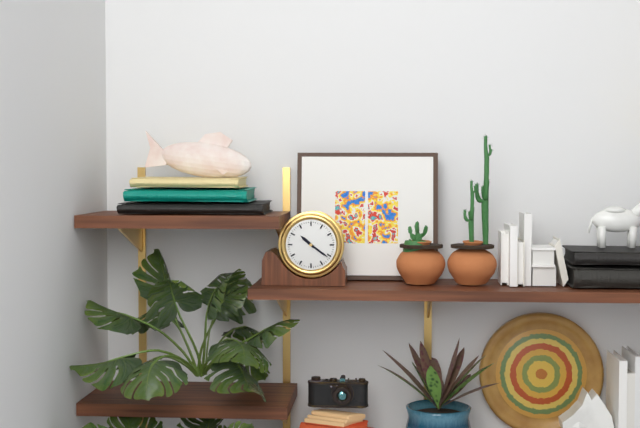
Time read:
h=10 m=21
